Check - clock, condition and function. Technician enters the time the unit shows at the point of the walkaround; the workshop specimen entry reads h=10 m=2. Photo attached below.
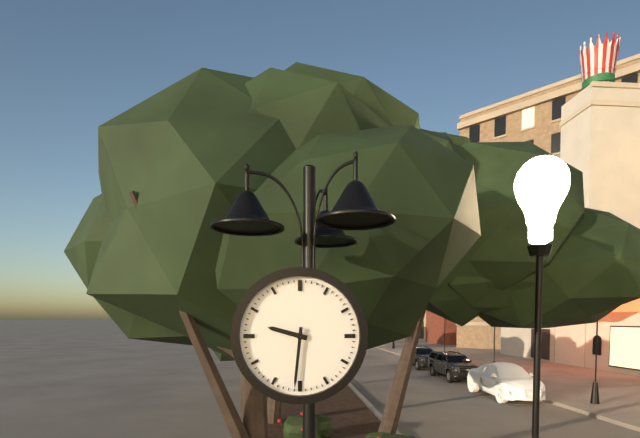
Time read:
h=9 m=31
